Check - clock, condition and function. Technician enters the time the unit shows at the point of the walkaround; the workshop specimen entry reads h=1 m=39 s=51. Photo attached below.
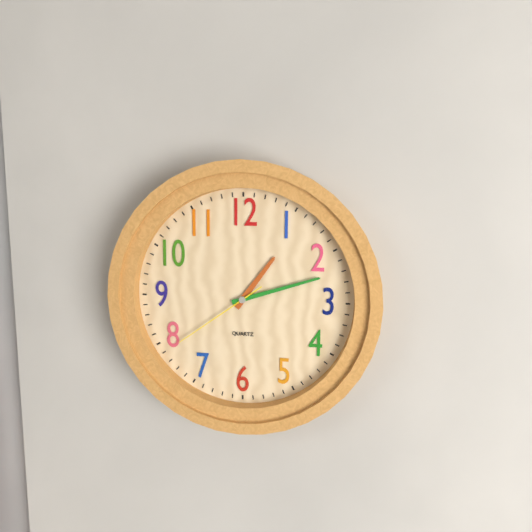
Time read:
h=1 m=12 s=39
